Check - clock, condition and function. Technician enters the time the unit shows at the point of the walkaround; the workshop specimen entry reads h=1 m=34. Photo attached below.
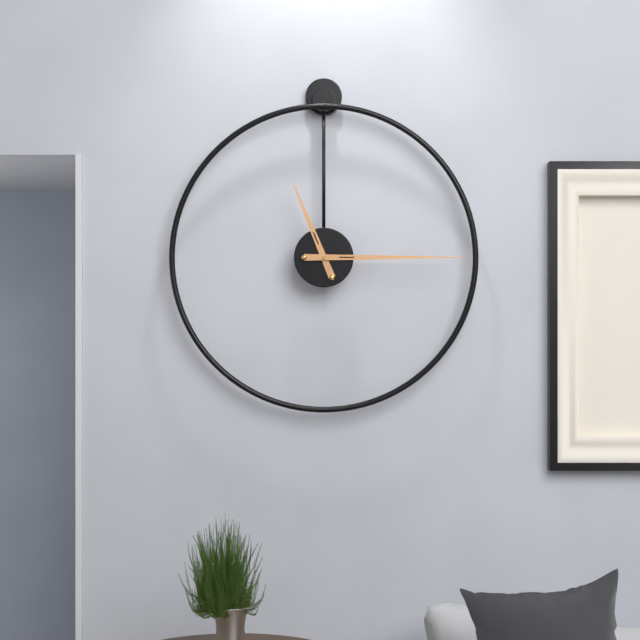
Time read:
h=11 m=15
